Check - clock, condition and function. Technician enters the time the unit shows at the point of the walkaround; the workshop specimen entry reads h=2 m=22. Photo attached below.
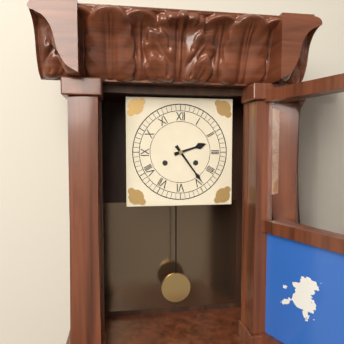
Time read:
h=2 m=24
